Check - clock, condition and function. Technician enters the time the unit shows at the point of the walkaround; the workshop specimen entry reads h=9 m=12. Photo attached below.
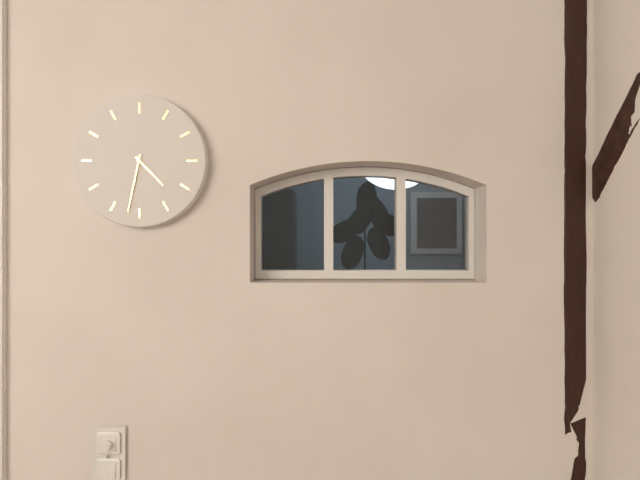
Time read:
h=4 m=32
